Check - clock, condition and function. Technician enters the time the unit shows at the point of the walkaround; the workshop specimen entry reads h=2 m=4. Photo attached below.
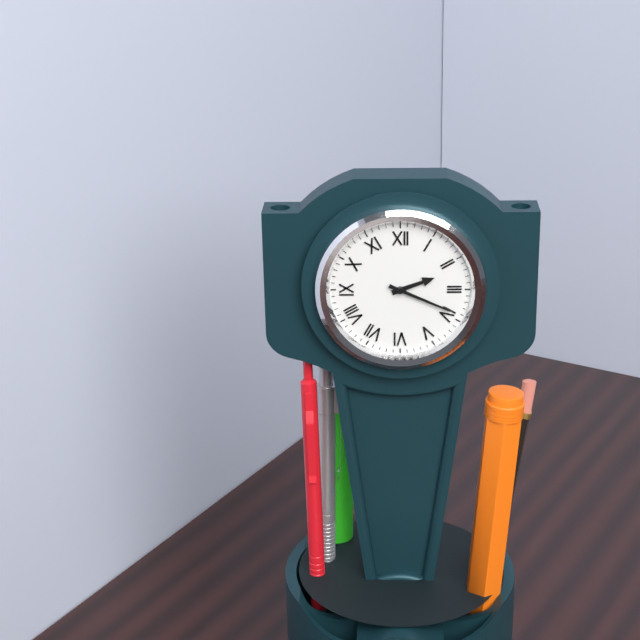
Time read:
h=2 m=19
